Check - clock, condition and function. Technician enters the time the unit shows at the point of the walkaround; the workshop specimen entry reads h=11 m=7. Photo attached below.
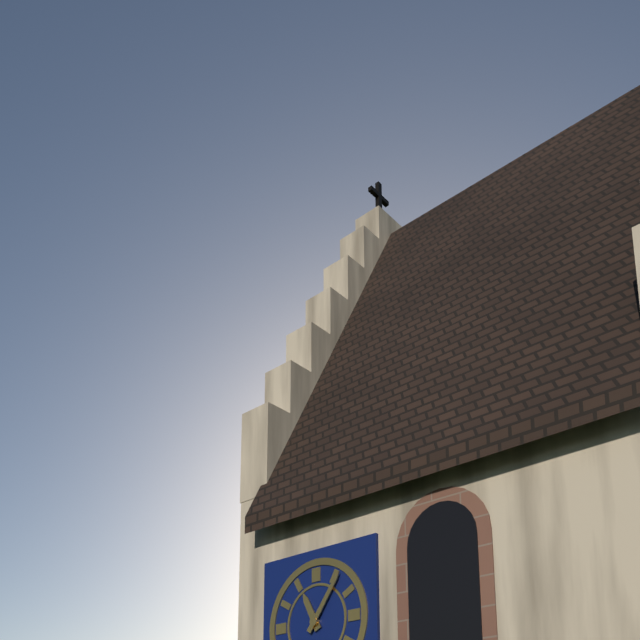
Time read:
h=11 m=6
